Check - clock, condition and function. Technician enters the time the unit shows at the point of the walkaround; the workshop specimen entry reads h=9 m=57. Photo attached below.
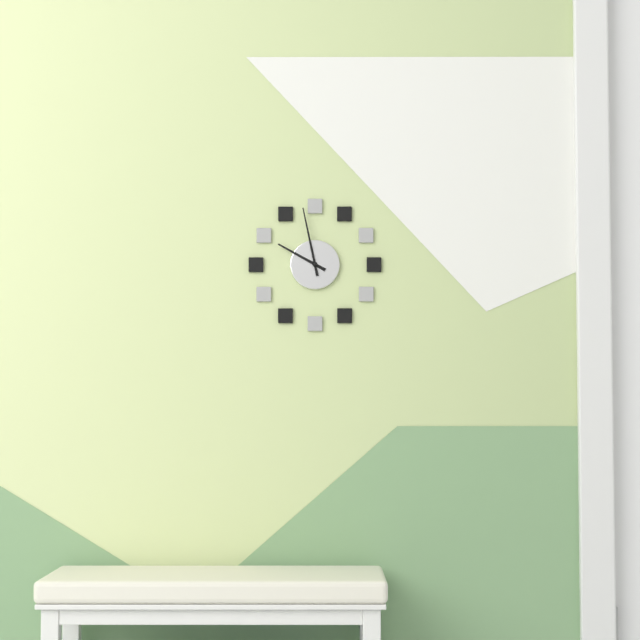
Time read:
h=9 m=58
